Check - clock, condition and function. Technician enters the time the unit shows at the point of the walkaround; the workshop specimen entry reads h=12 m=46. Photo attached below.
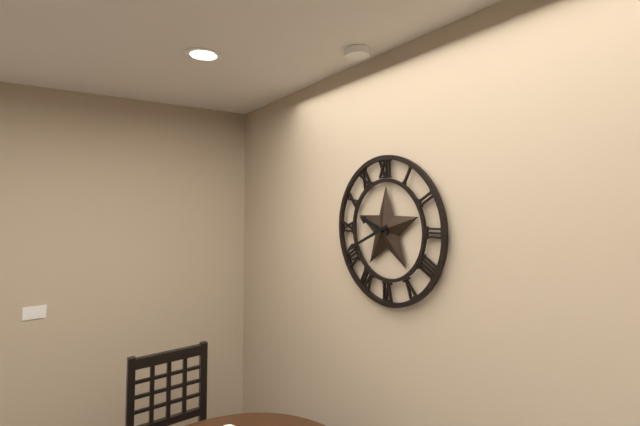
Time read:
h=9 m=41
